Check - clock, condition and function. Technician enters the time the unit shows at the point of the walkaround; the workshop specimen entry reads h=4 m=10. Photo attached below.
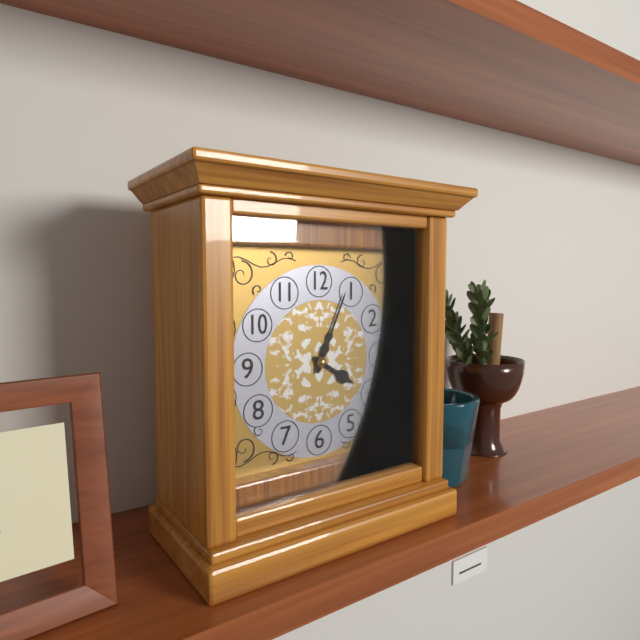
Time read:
h=4 m=4
